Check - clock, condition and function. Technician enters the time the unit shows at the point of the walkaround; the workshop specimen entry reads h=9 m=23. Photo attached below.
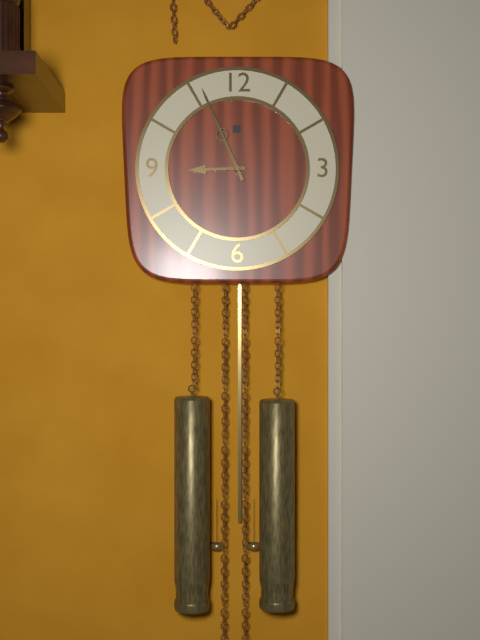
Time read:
h=8 m=56
